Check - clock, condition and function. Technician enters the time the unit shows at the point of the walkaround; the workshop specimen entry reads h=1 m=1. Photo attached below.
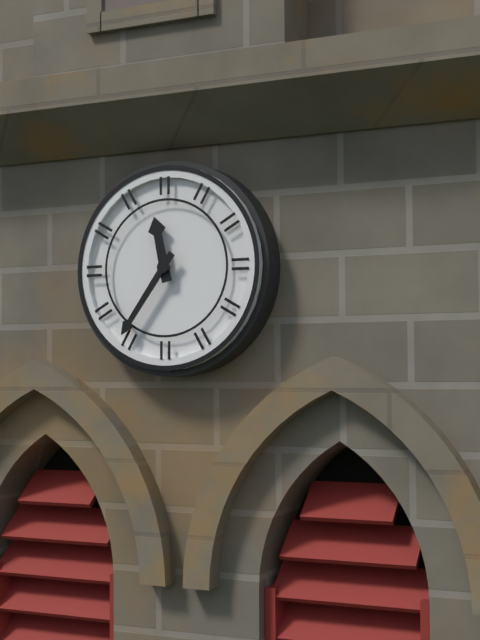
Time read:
h=11 m=36
